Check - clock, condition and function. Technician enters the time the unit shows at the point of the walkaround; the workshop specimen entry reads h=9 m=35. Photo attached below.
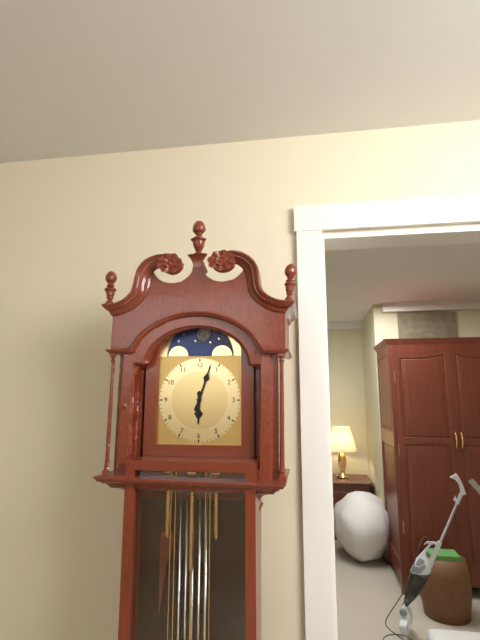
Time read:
h=6 m=3
